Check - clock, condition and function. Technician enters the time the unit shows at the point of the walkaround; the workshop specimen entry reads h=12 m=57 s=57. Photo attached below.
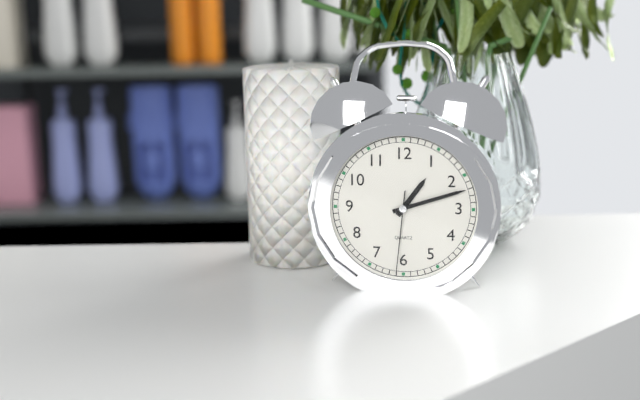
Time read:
h=1 m=12 s=31
